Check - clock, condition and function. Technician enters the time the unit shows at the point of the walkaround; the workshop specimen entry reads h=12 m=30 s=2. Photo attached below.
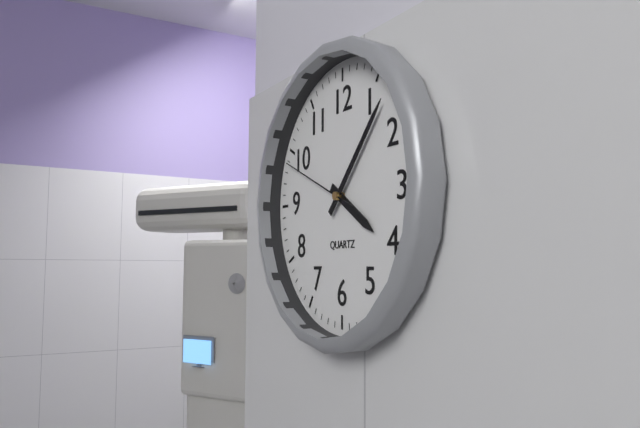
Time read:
h=4 m=7 s=49
